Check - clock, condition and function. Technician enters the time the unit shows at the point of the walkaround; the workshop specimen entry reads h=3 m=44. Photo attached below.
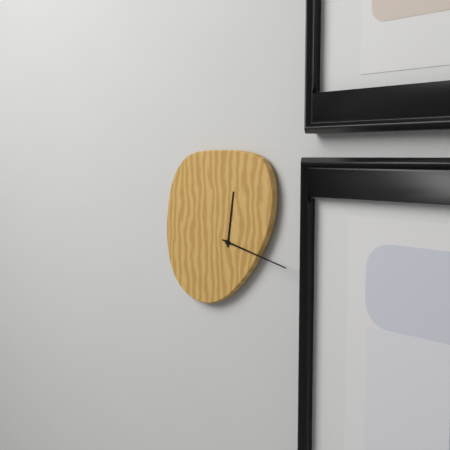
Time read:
h=12 m=17
